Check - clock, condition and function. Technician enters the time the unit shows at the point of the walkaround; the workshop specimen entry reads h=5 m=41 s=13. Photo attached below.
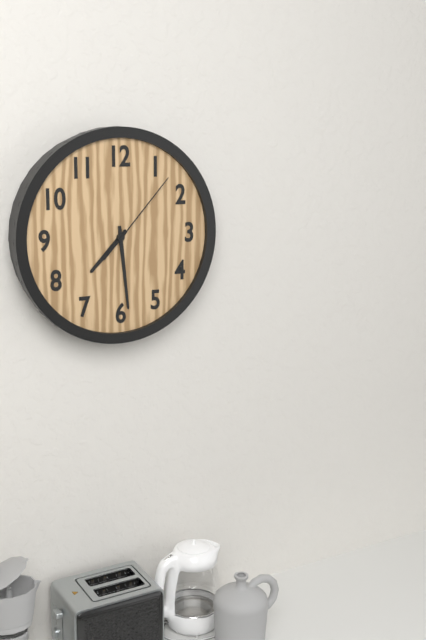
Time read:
h=7 m=29 s=7
